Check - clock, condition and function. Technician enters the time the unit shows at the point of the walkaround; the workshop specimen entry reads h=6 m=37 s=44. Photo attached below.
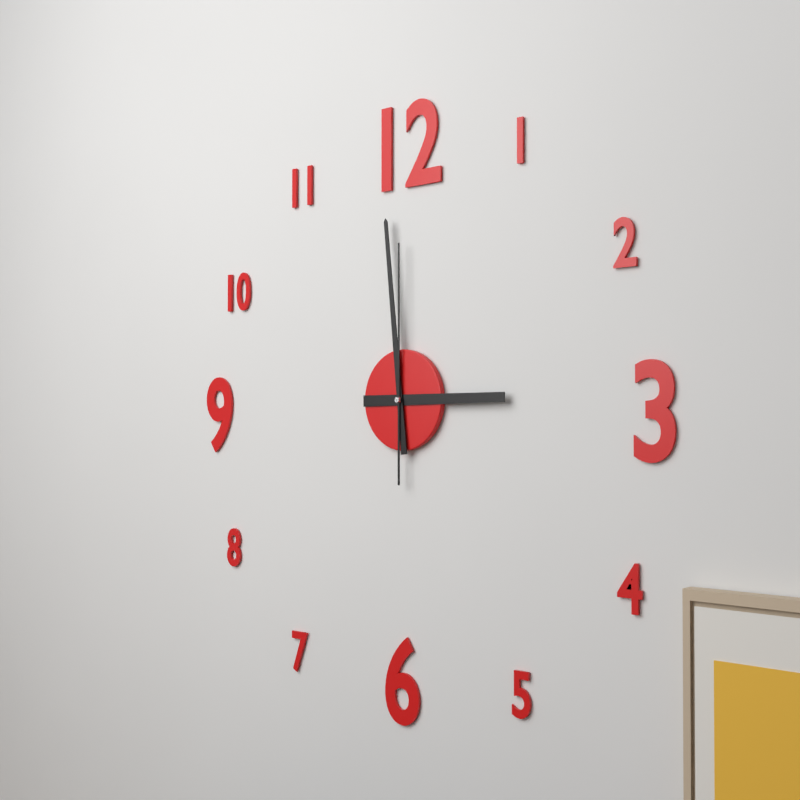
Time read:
h=2 m=59 s=0
